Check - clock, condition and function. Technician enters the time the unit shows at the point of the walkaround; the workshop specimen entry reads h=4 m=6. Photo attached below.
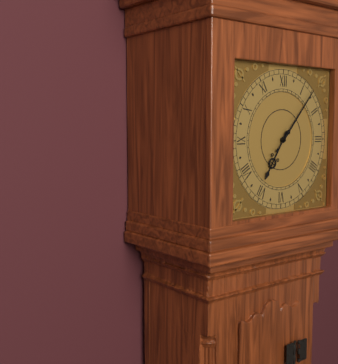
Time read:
h=7 m=7
